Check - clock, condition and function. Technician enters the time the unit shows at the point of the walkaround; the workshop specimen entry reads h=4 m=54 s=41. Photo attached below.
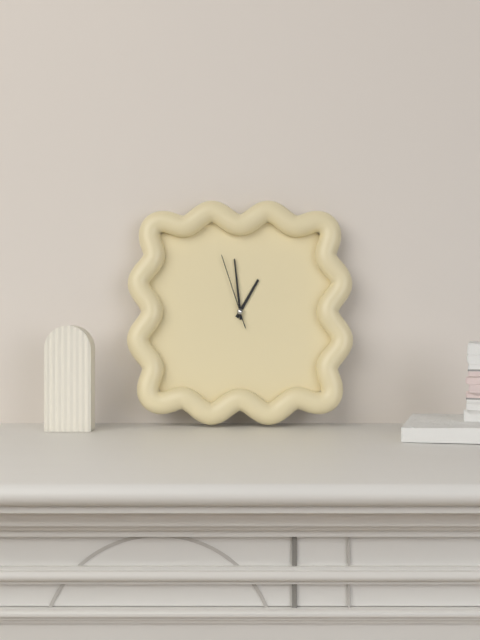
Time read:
h=12 m=59 s=57
